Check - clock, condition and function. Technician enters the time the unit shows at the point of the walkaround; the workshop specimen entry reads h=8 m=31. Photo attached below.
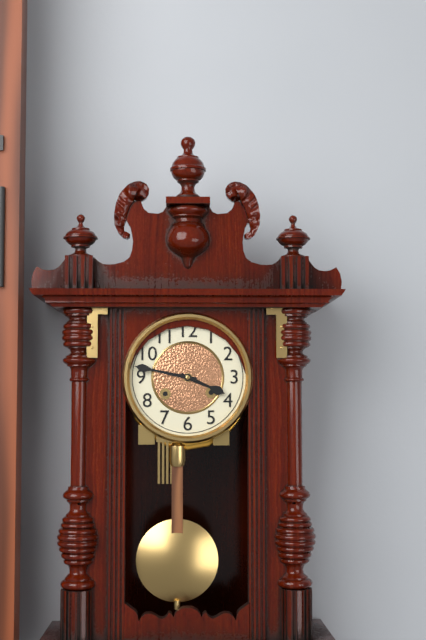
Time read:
h=3 m=47
